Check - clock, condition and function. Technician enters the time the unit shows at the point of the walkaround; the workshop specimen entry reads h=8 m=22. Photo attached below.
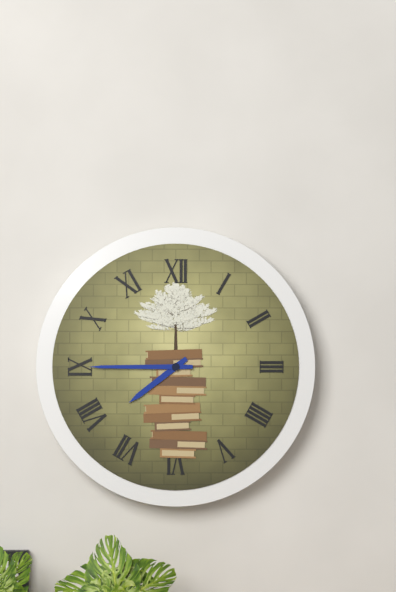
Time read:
h=7 m=45
